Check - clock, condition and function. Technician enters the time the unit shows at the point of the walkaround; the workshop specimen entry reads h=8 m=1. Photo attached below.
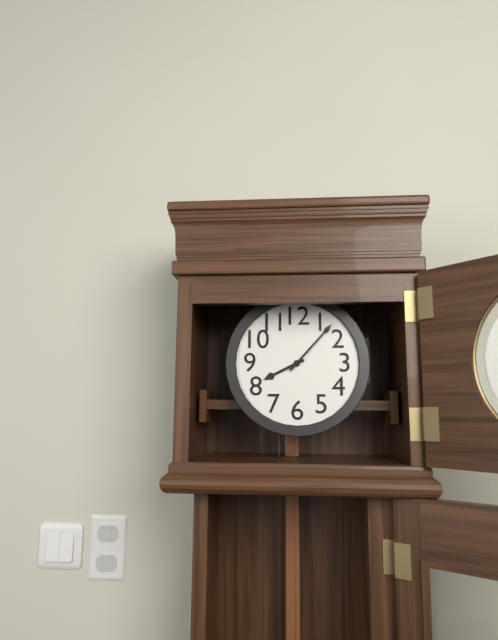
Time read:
h=8 m=7
